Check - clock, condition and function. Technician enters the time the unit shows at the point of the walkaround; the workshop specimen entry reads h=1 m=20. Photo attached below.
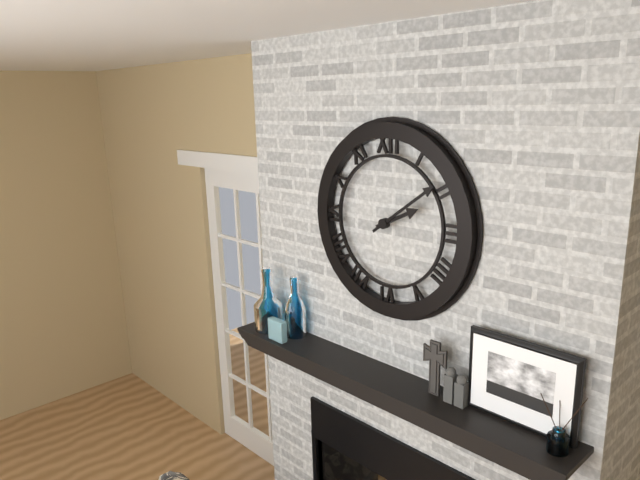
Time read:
h=2 m=9
